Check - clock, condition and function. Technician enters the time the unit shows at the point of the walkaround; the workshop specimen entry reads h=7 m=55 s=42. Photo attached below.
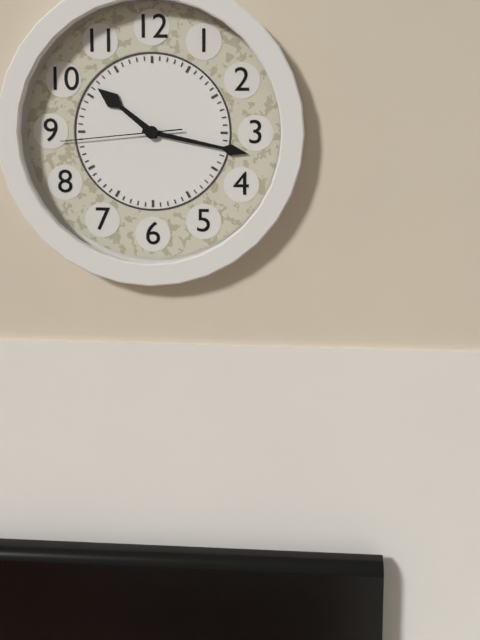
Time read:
h=10 m=17 s=44
